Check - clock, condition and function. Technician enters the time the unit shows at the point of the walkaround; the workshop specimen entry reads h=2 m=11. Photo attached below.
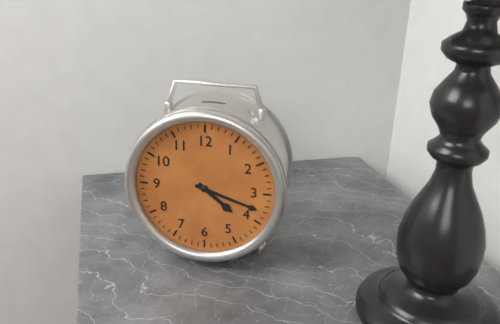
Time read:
h=4 m=18
